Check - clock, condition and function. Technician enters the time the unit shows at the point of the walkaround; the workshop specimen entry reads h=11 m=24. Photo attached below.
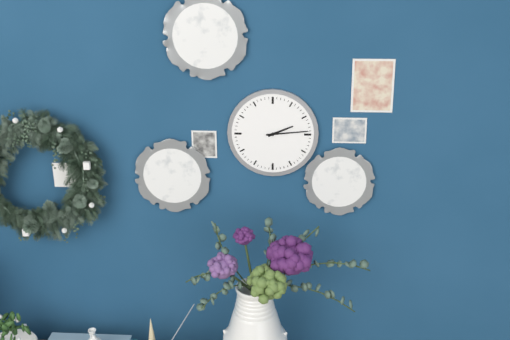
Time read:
h=2 m=14
